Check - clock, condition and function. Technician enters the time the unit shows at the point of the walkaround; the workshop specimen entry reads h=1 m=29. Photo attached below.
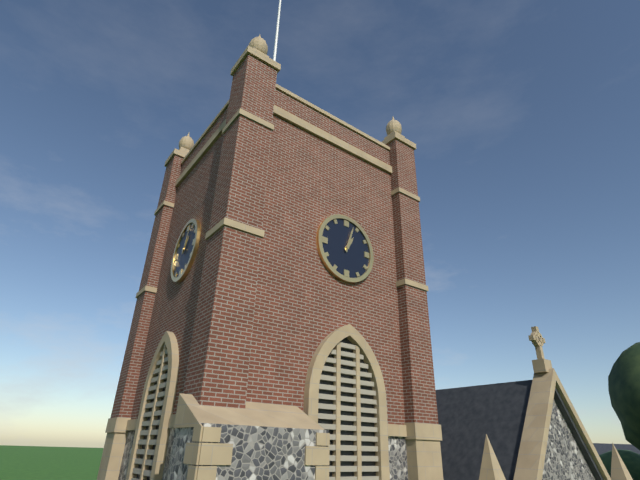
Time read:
h=1 m=3
